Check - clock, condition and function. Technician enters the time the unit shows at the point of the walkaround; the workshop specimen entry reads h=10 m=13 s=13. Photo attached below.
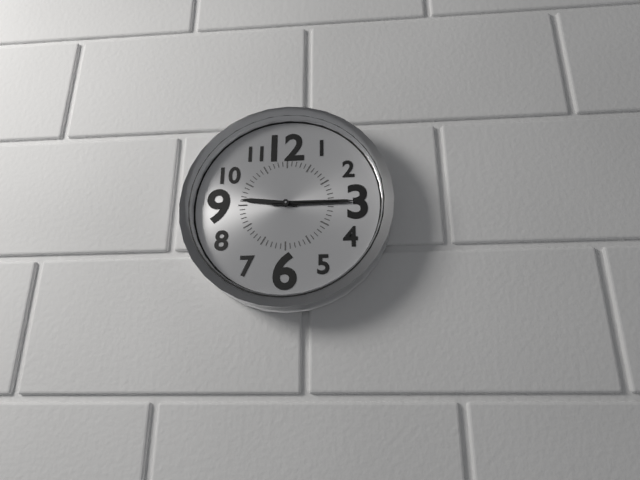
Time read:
h=9 m=15 s=15
